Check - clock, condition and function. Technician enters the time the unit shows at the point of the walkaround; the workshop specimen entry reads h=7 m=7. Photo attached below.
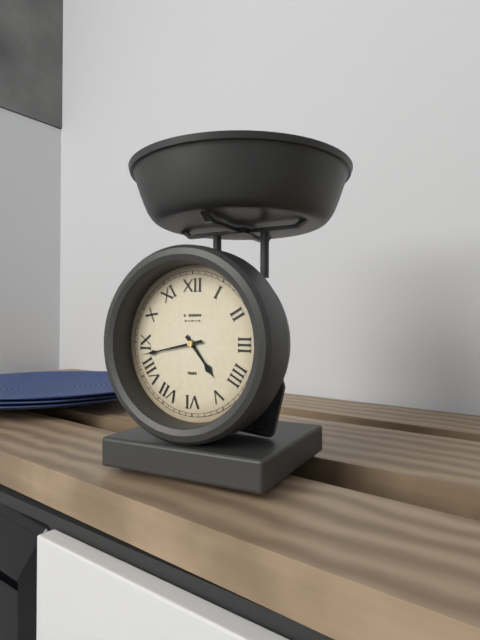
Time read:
h=4 m=43
